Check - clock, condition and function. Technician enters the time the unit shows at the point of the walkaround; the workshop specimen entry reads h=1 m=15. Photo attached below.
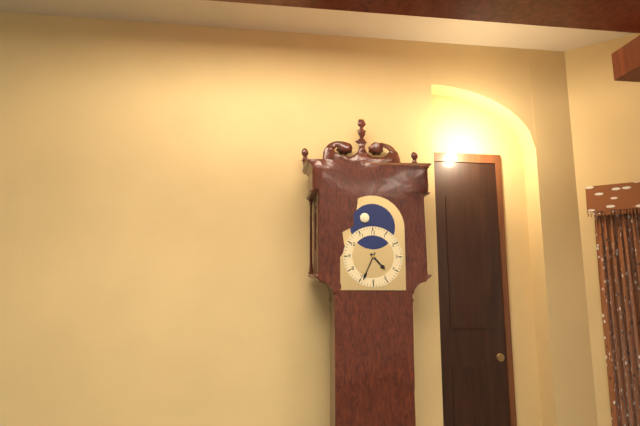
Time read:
h=4 m=34
